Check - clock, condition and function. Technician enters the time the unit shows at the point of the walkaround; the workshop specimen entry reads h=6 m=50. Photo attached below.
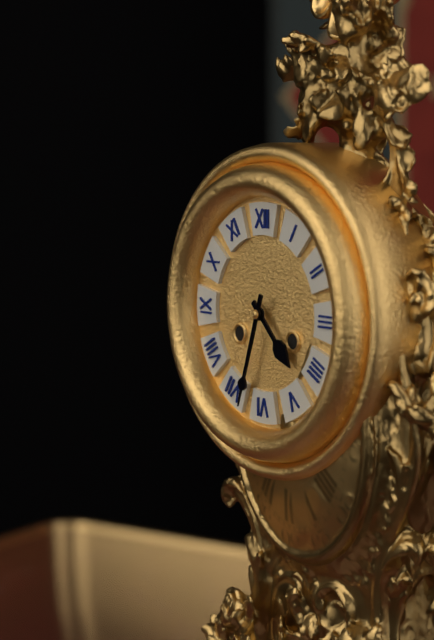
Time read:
h=4 m=33
